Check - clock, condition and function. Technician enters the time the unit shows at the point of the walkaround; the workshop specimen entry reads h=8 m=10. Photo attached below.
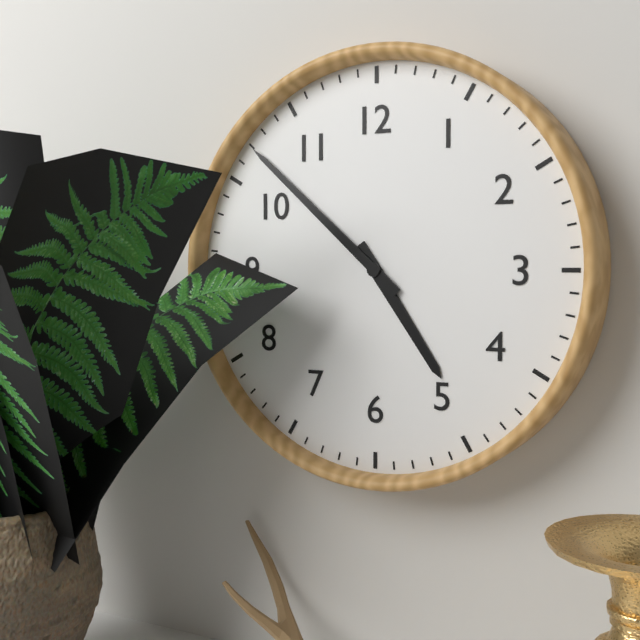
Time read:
h=4 m=52
